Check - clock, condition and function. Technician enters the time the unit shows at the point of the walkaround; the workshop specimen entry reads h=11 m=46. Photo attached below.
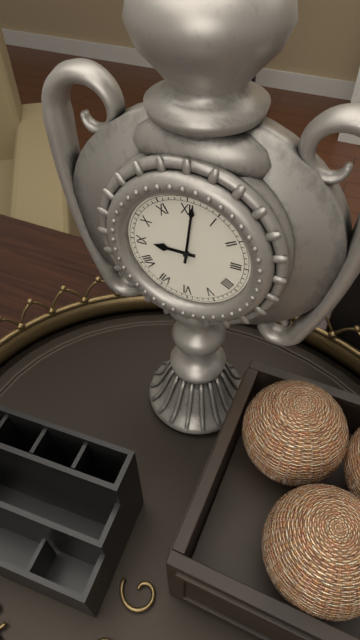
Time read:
h=9 m=1
